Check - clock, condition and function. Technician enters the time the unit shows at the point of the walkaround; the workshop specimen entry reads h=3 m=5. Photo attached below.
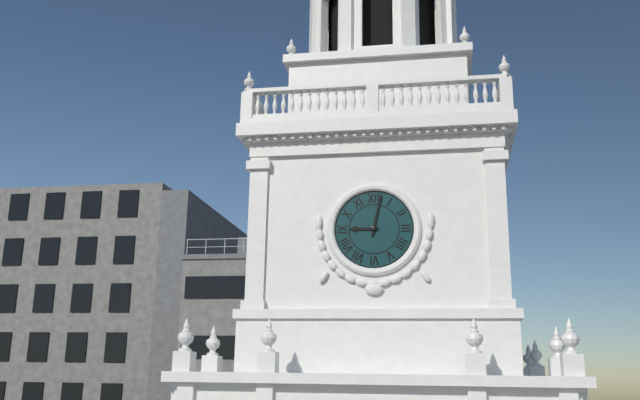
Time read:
h=9 m=2
